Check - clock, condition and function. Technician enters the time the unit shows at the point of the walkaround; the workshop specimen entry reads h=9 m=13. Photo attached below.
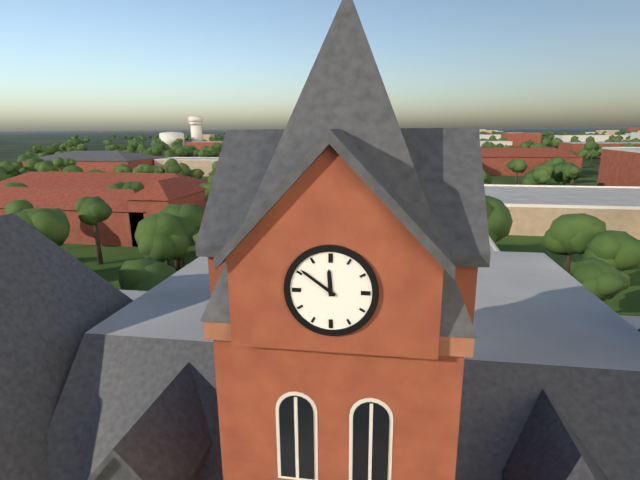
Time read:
h=11 m=51
